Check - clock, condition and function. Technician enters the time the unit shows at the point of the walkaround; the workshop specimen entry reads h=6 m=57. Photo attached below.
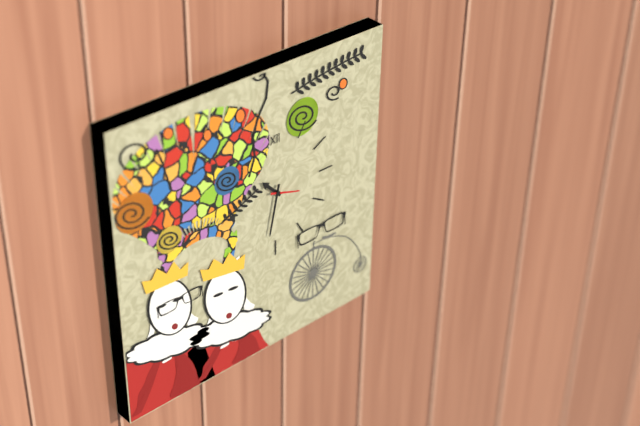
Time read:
h=10 m=32
